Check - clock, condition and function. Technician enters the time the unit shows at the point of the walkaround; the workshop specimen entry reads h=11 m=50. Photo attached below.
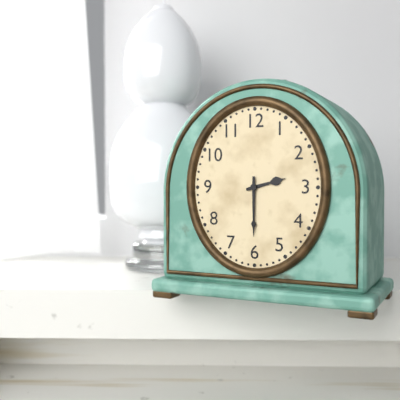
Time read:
h=2 m=30
